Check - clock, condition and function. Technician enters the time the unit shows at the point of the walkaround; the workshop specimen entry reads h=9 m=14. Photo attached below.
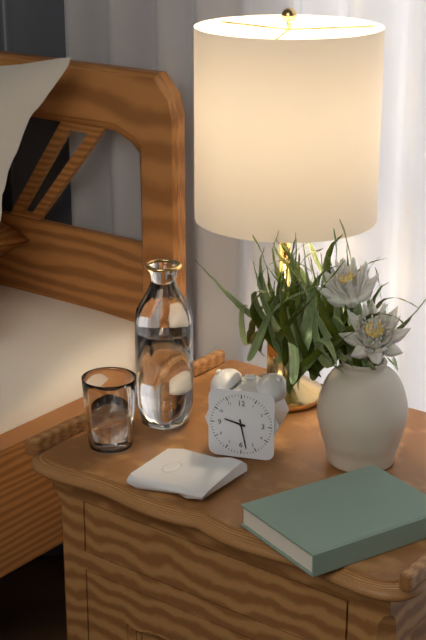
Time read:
h=9 m=28
